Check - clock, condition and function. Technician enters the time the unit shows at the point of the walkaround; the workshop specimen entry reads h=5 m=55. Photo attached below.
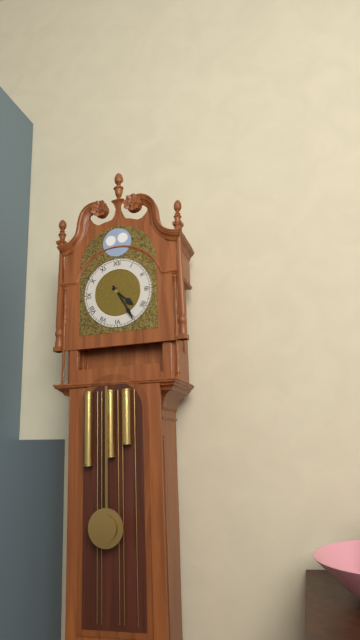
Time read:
h=4 m=25
